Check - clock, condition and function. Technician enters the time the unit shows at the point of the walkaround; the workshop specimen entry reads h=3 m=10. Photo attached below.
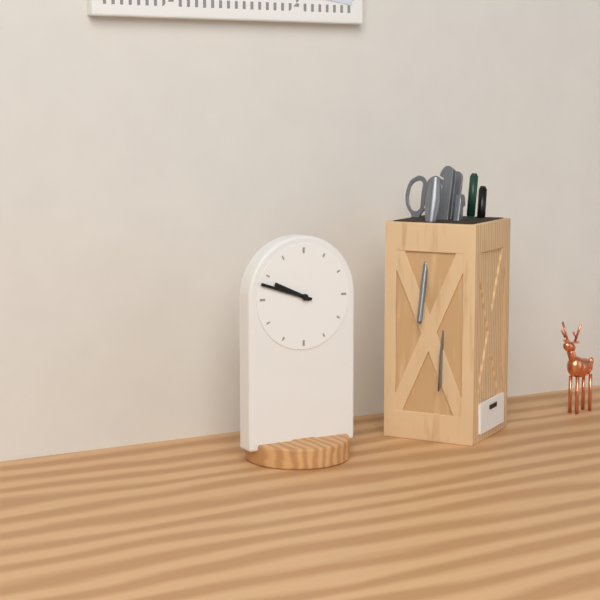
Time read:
h=9 m=48
